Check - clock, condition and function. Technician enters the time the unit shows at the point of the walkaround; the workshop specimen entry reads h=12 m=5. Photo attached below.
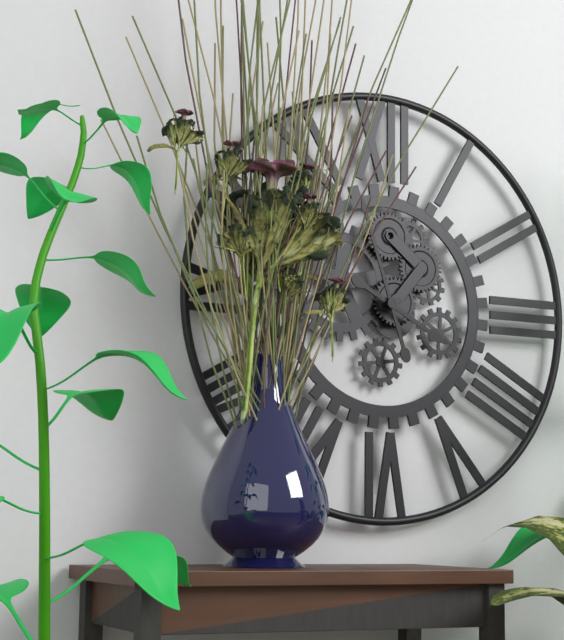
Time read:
h=3 m=57
